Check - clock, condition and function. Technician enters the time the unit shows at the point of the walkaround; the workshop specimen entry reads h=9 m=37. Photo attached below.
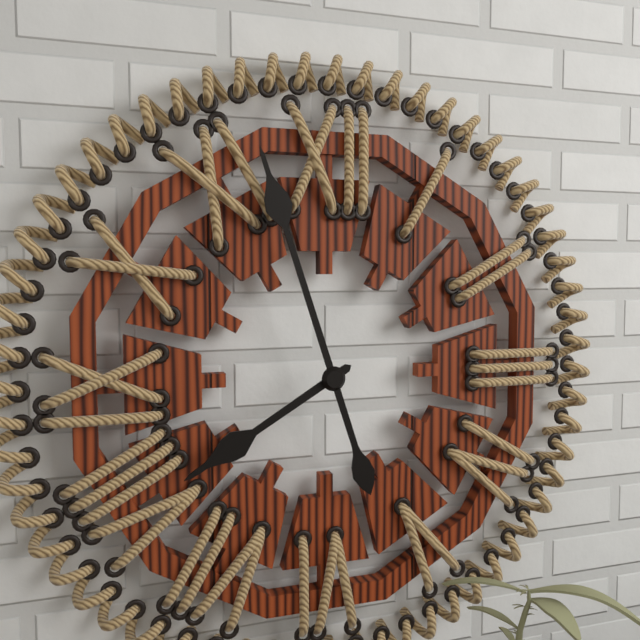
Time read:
h=7 m=57
